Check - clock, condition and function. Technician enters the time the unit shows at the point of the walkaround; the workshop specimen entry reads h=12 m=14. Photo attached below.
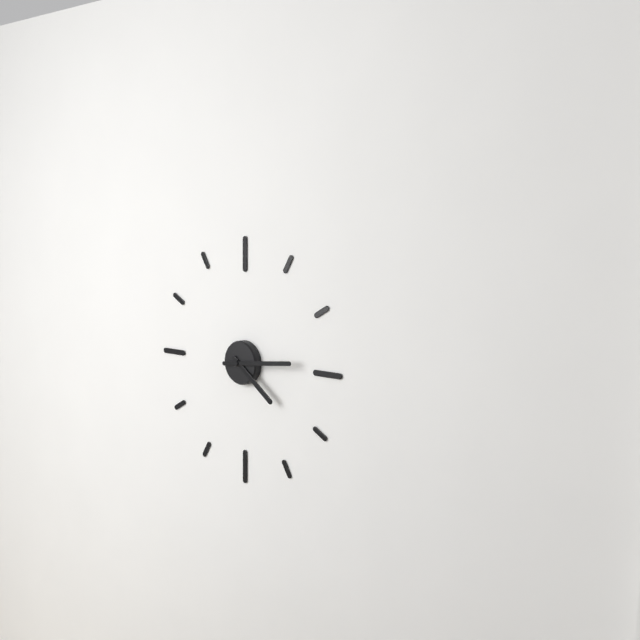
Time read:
h=4 m=14
